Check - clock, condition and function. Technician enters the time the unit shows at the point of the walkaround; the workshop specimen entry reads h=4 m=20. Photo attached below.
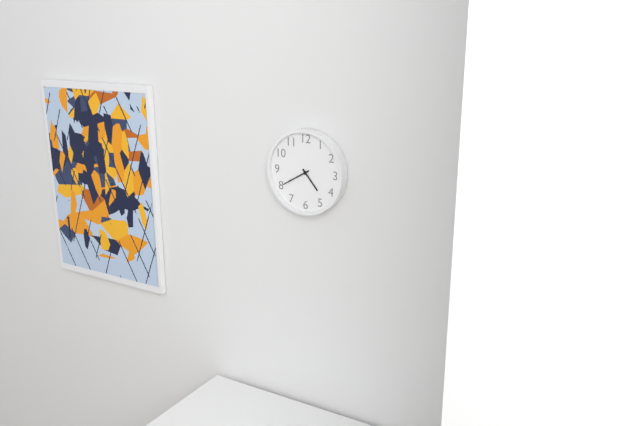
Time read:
h=4 m=40
